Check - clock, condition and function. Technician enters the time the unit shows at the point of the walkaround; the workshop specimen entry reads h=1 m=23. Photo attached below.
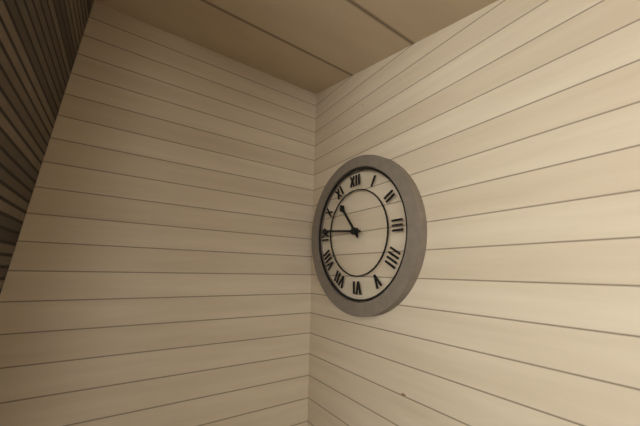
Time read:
h=10 m=46
